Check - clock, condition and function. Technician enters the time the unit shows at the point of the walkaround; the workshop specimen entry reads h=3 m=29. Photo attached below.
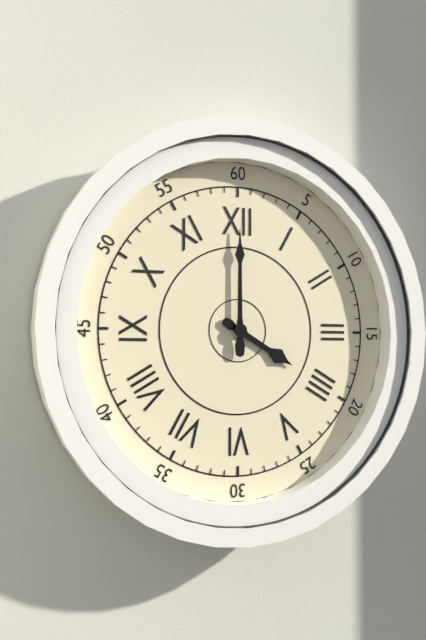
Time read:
h=4 m=0
